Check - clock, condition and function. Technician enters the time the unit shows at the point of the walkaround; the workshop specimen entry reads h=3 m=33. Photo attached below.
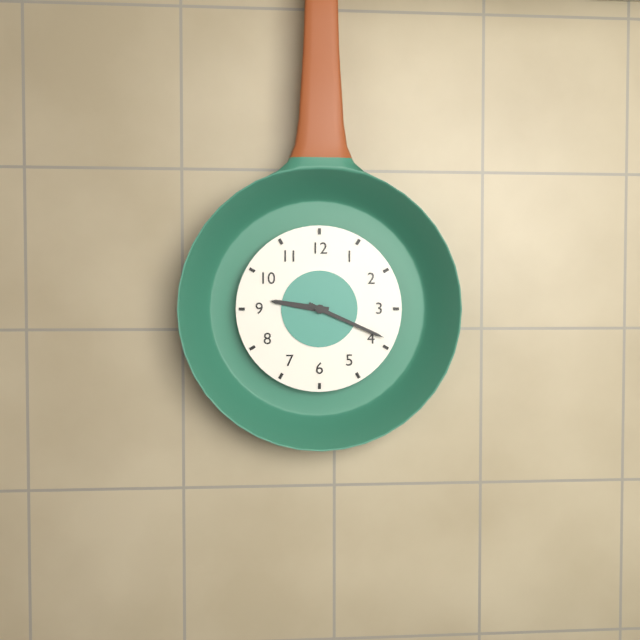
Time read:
h=9 m=19
